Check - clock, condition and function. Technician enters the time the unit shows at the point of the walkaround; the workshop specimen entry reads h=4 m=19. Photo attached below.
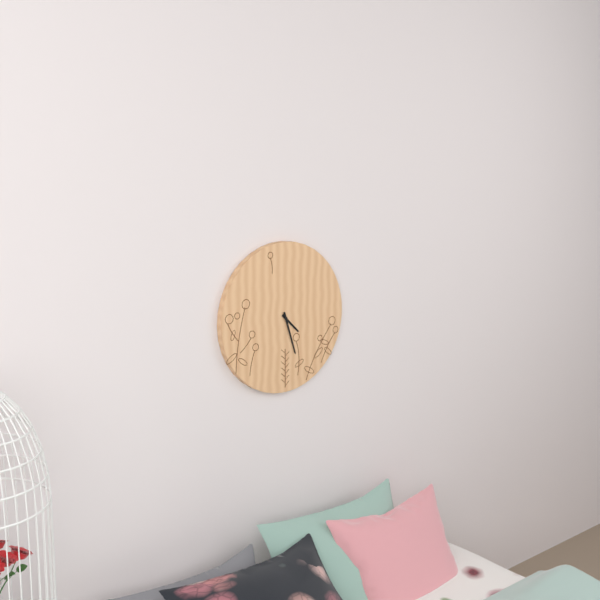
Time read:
h=4 m=27
